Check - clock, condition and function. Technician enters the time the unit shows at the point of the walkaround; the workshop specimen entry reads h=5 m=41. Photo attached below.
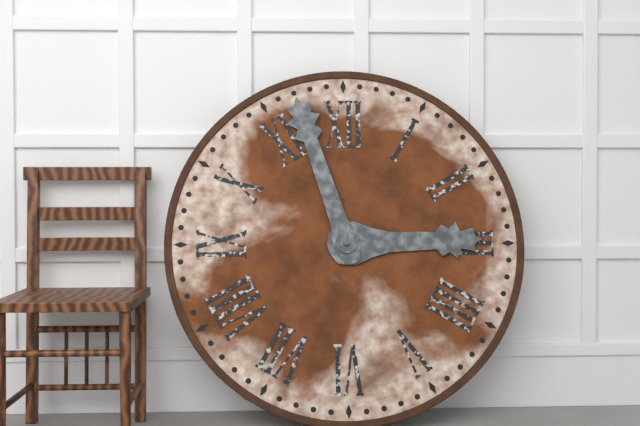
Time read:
h=2 m=57
